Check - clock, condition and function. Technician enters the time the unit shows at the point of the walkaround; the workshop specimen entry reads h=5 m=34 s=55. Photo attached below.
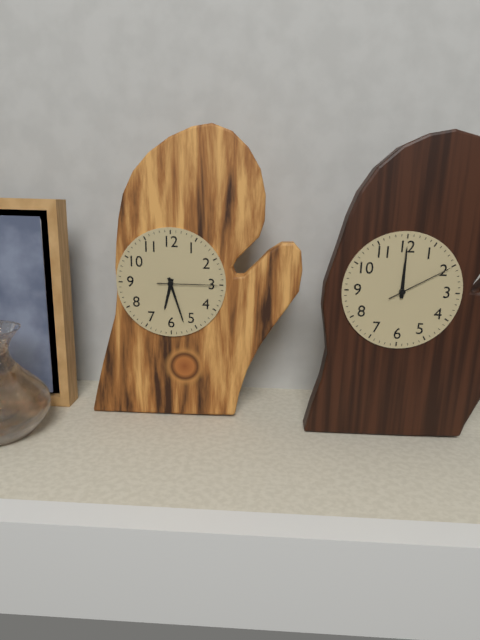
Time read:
h=6 m=27 s=15
